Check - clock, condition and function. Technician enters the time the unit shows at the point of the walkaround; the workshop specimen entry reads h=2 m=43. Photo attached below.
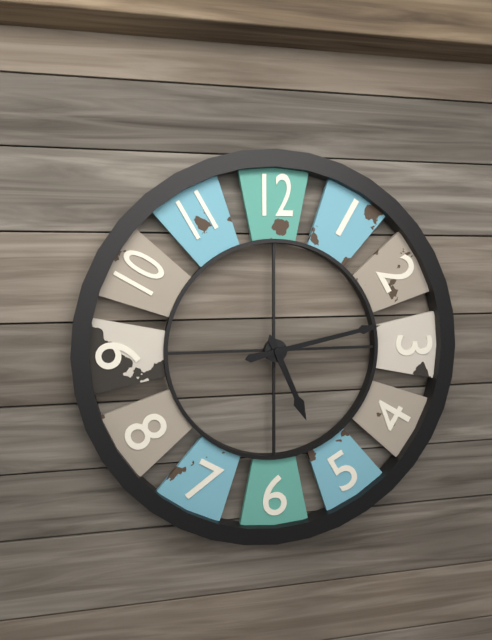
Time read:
h=5 m=13
